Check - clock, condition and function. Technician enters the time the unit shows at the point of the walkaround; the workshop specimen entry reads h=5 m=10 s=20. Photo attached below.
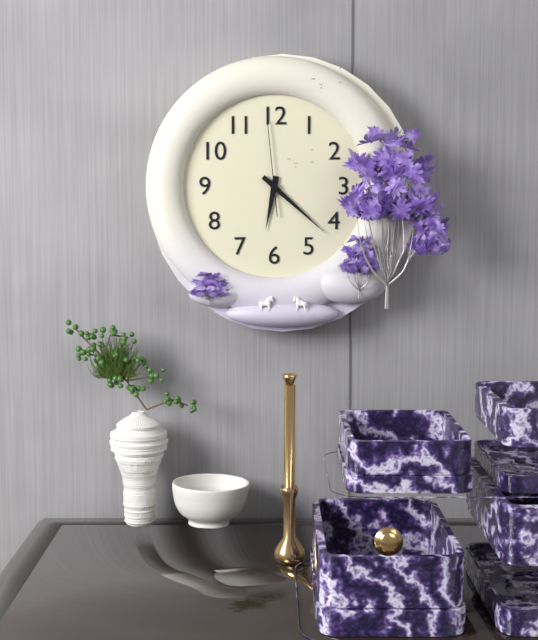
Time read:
h=6 m=22 s=59
